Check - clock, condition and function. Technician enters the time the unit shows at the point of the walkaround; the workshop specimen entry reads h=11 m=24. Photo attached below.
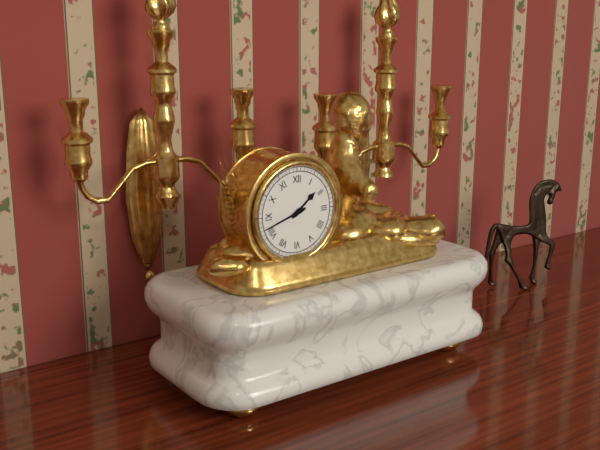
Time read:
h=1 m=42
